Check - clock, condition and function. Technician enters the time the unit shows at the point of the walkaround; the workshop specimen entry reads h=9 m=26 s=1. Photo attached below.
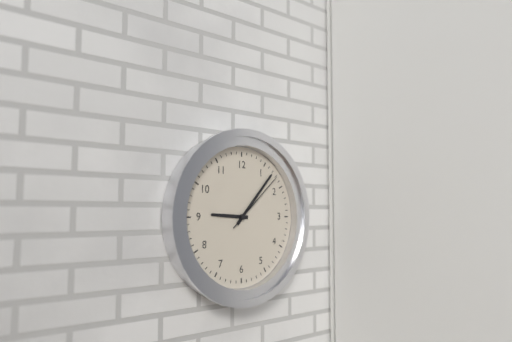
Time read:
h=9 m=7 s=8
